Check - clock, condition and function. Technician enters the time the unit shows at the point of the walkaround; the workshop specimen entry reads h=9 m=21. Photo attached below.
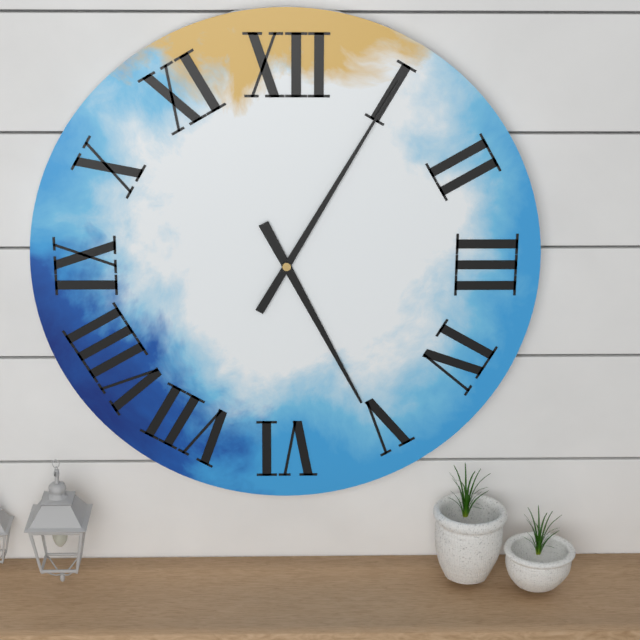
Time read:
h=5 m=5
